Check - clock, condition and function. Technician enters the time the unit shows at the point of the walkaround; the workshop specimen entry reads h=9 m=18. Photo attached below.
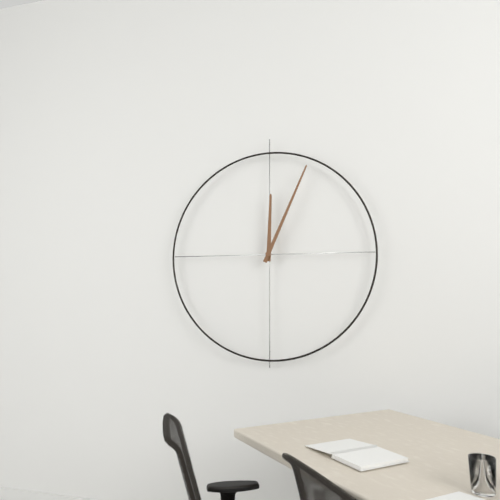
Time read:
h=12 m=4
